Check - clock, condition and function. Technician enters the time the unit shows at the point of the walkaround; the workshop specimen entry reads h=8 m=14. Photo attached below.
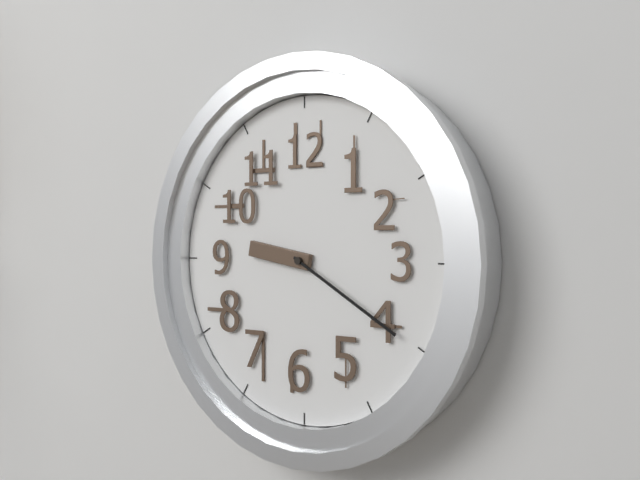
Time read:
h=9 m=20
